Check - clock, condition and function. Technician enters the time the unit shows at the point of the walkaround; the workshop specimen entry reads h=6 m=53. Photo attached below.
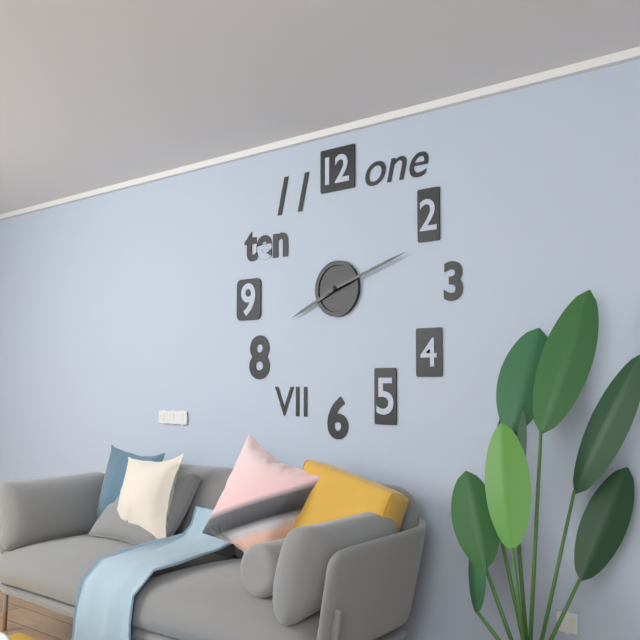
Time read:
h=8 m=12
